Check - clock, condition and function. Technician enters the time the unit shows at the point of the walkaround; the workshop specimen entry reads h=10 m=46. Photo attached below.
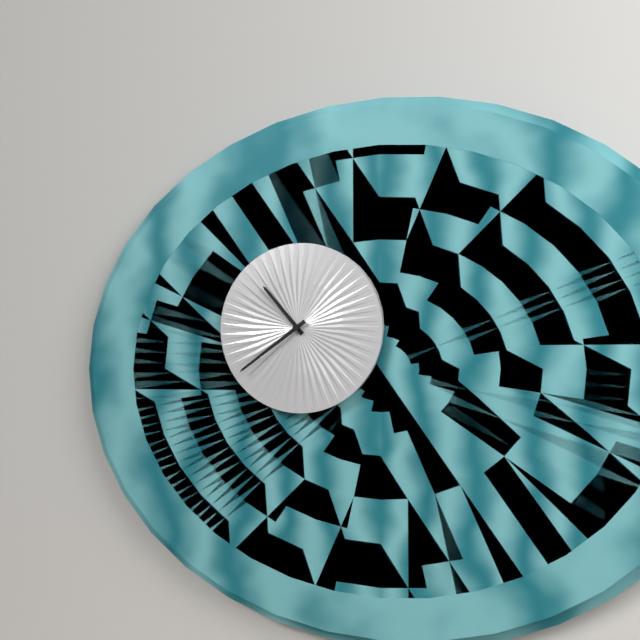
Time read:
h=10 m=39
